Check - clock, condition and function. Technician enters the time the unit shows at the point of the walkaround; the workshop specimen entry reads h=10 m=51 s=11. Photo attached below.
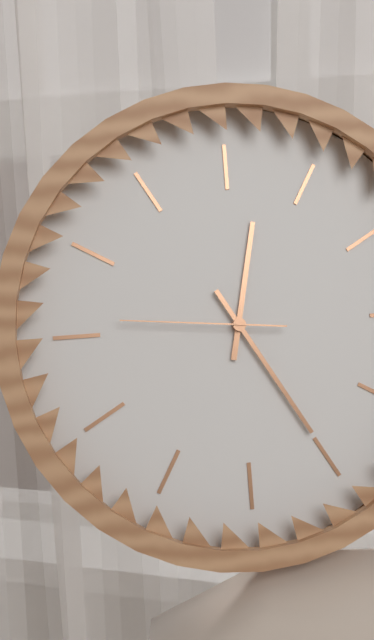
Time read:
h=12 m=25 s=46
